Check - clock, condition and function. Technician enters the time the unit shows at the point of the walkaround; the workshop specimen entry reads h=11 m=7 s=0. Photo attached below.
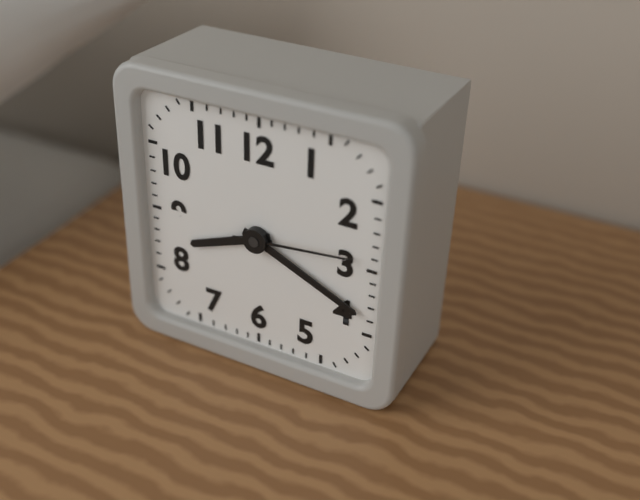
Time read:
h=8 m=19 s=14
